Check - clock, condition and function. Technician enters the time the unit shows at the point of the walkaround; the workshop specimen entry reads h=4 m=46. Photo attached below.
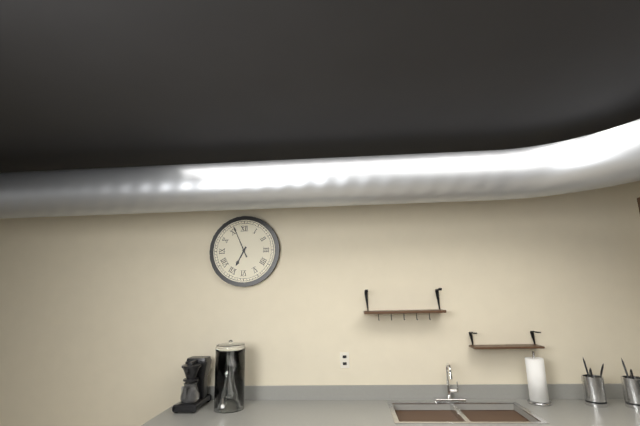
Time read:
h=6 m=56
